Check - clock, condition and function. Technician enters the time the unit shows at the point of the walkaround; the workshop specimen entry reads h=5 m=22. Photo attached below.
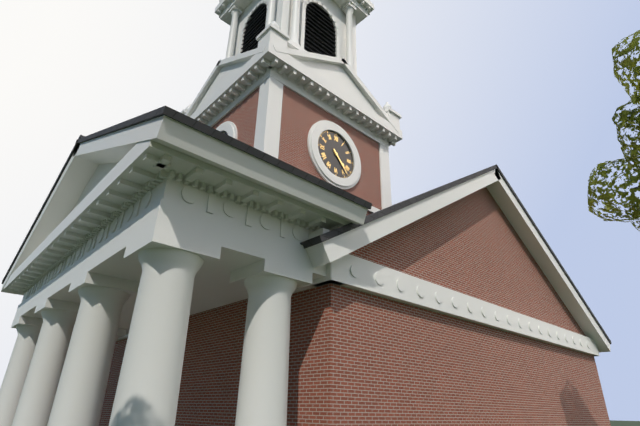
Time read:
h=4 m=23
